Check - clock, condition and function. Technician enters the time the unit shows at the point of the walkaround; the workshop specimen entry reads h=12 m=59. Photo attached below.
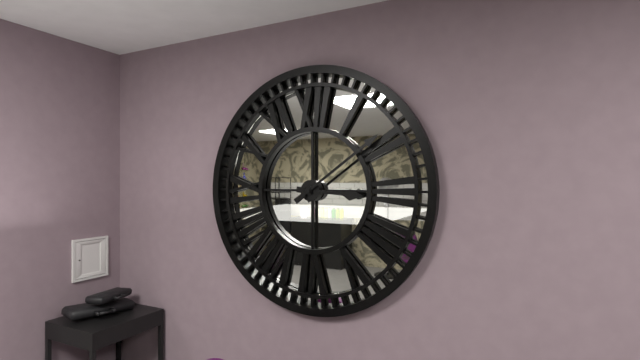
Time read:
h=3 m=9
